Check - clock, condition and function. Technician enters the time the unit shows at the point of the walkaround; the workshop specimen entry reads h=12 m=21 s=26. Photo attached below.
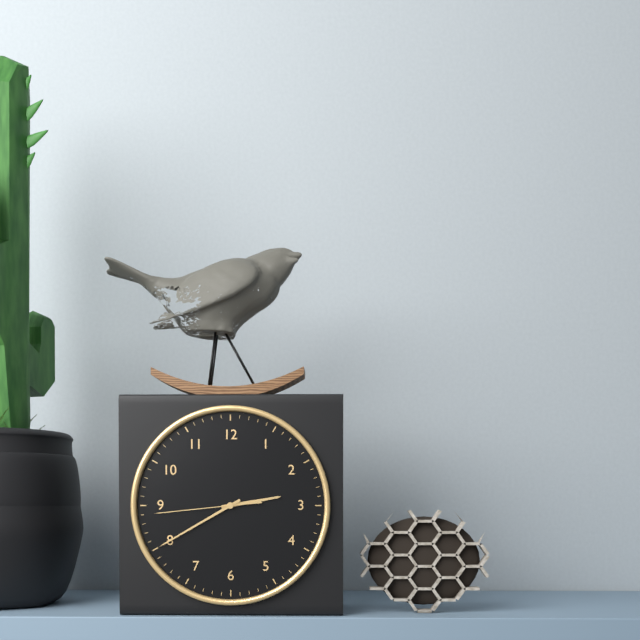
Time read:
h=2 m=40 s=44
